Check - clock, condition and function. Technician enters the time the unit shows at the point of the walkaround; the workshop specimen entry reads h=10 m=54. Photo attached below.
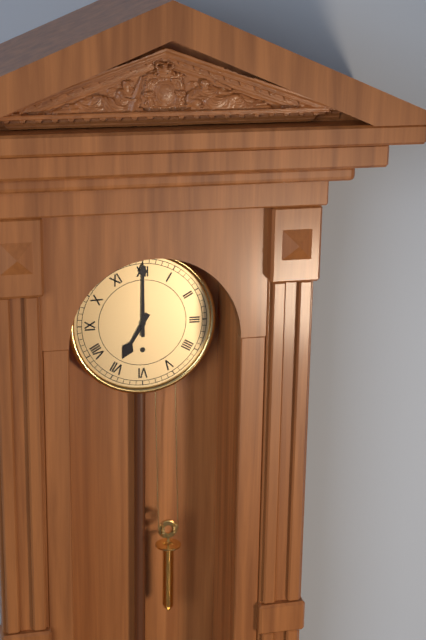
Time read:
h=7 m=0
